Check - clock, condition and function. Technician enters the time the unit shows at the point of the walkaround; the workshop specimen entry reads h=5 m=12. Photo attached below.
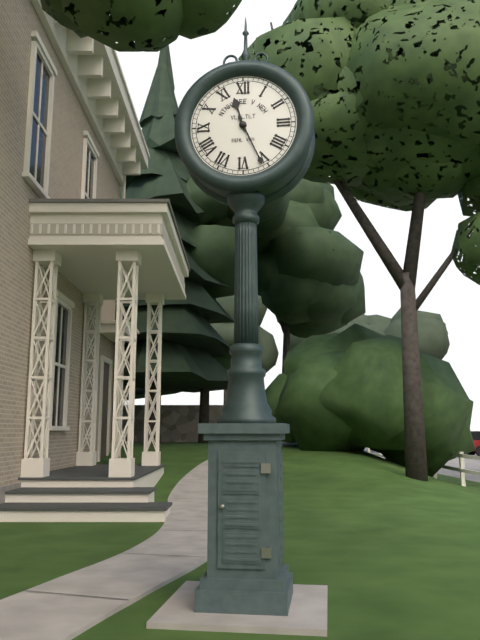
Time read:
h=11 m=26
